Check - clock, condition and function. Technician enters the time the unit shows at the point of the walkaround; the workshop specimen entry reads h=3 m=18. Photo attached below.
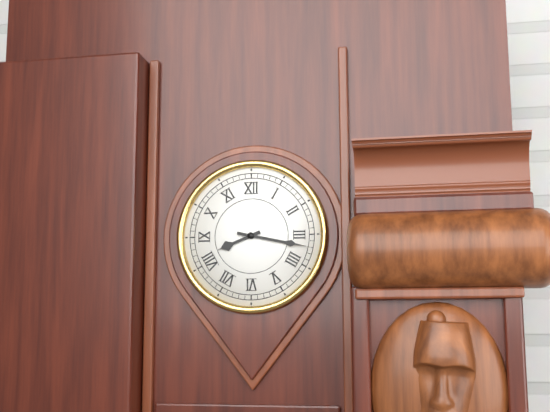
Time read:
h=8 m=17
